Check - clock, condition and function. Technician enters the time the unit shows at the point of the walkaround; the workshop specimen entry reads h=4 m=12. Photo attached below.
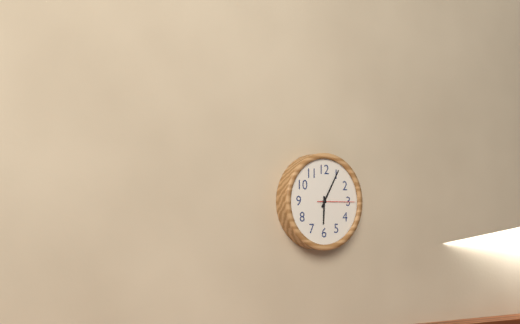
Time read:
h=6 m=5
